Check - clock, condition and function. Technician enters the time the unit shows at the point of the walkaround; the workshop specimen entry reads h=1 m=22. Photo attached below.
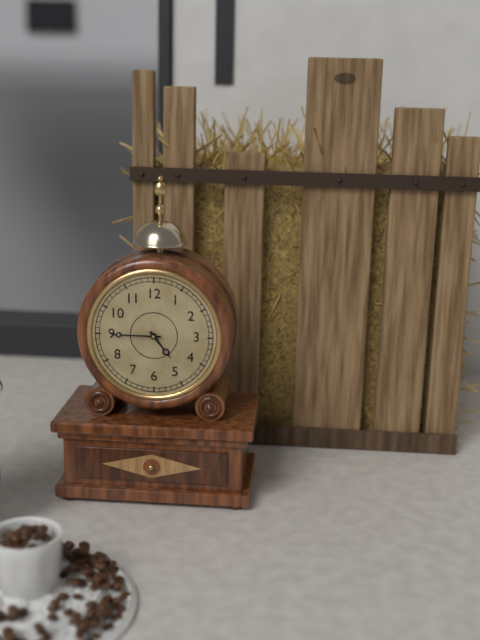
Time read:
h=4 m=45
